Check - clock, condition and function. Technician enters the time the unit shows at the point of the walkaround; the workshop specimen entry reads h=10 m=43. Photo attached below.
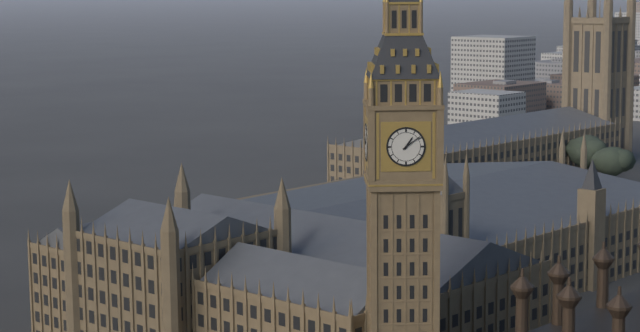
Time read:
h=1 m=9
